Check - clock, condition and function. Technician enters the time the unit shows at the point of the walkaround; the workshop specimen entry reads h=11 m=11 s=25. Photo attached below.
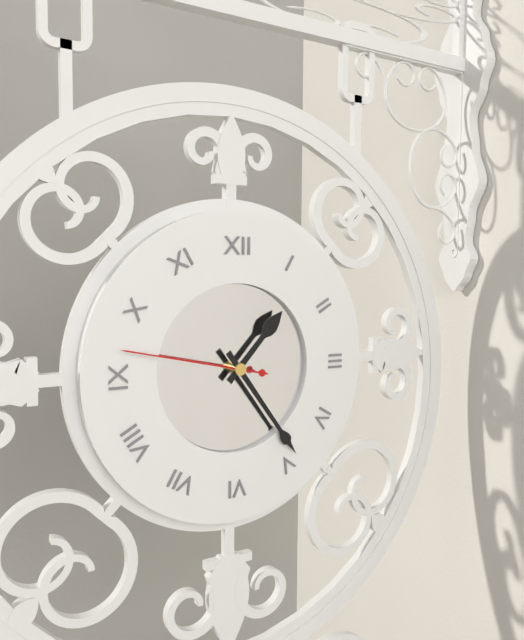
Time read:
h=1 m=24 s=47
